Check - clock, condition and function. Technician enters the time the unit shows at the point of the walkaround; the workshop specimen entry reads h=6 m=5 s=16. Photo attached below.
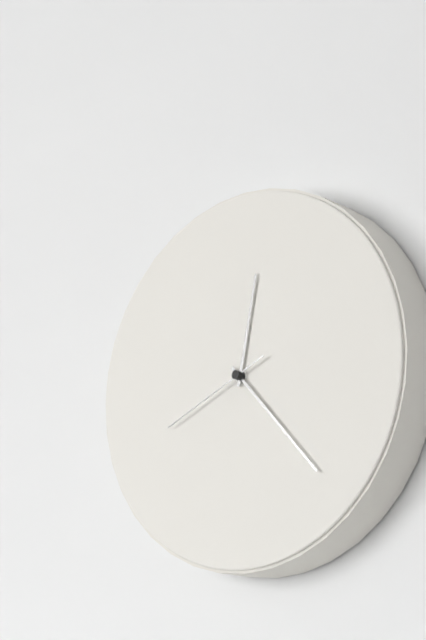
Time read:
h=12 m=23 s=41
